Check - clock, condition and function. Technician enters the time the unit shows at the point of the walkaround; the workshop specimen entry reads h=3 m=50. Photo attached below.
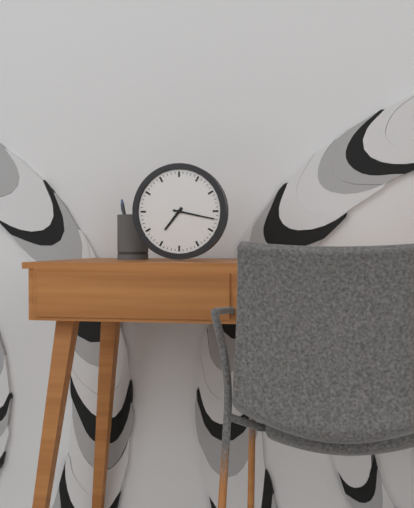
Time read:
h=7 m=17
